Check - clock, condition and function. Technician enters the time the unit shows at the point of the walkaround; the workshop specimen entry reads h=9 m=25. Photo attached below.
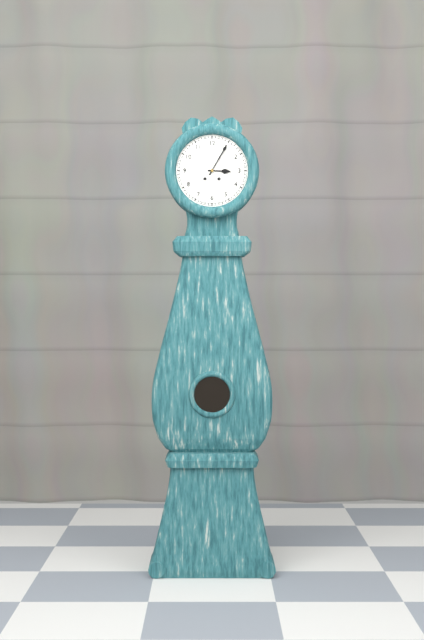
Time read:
h=3 m=5
